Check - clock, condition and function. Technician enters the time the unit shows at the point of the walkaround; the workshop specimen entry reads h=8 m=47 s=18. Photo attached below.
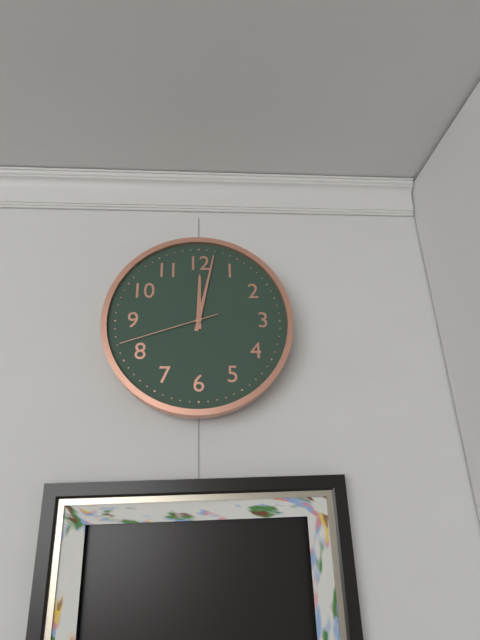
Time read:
h=12 m=2 s=42
